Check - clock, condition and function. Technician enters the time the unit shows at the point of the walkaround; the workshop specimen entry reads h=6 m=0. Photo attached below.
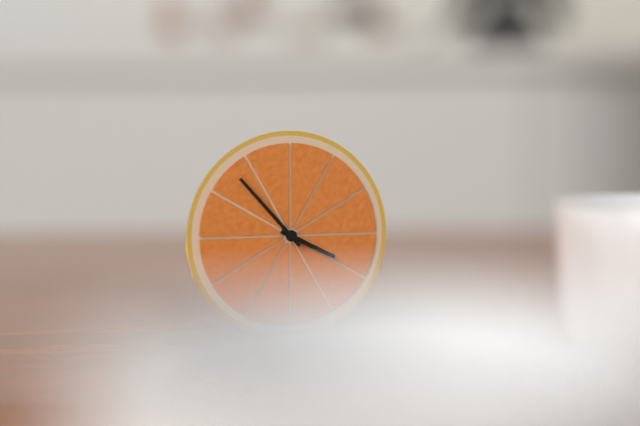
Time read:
h=3 m=53
